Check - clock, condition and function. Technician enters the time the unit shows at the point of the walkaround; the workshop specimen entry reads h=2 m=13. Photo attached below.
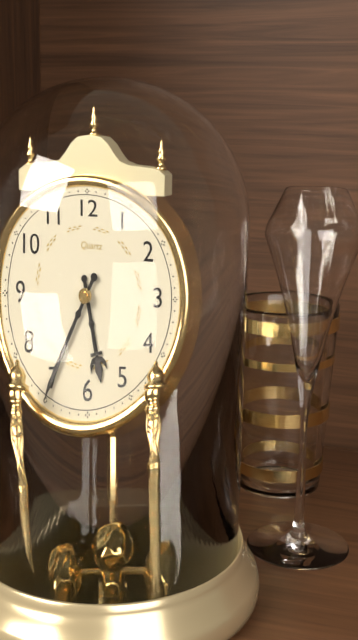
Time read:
h=5 m=35
